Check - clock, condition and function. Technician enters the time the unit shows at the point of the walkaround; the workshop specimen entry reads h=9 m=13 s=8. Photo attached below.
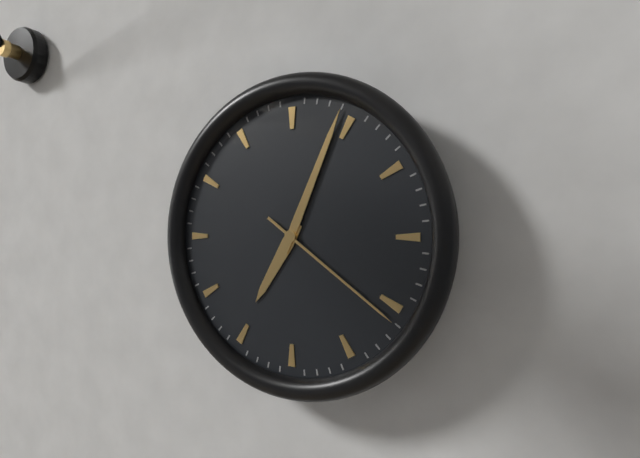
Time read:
h=7 m=4 s=21
